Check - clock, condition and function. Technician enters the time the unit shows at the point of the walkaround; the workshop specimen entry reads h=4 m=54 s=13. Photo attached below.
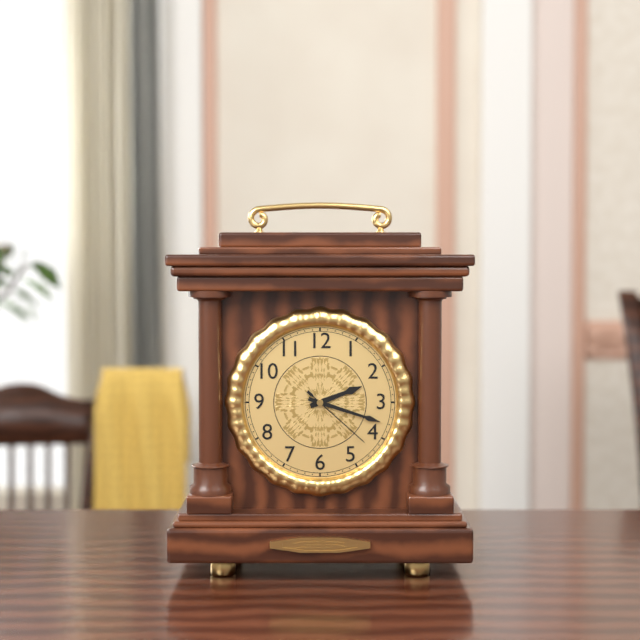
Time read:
h=2 m=18 s=22
